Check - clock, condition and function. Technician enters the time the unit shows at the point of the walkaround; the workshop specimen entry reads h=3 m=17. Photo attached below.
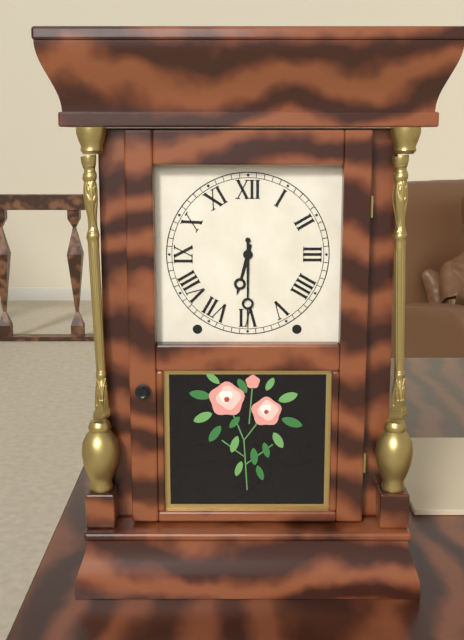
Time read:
h=6 m=30
